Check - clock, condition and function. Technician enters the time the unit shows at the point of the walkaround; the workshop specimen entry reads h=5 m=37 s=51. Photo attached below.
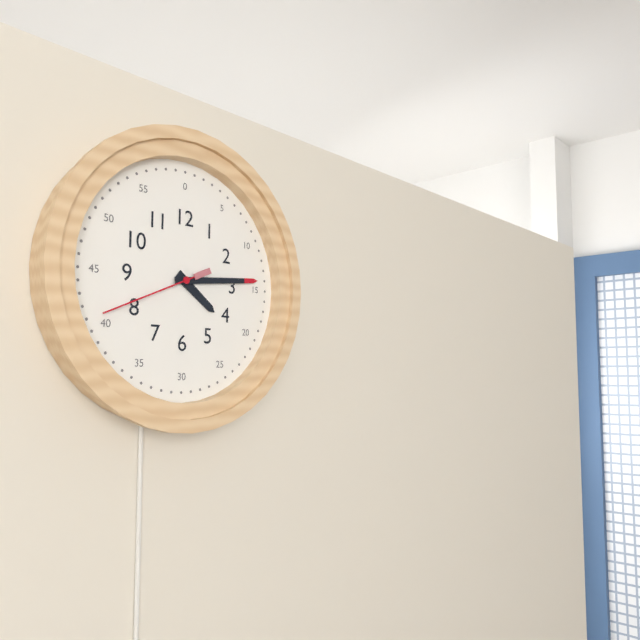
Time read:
h=4 m=14 s=41
